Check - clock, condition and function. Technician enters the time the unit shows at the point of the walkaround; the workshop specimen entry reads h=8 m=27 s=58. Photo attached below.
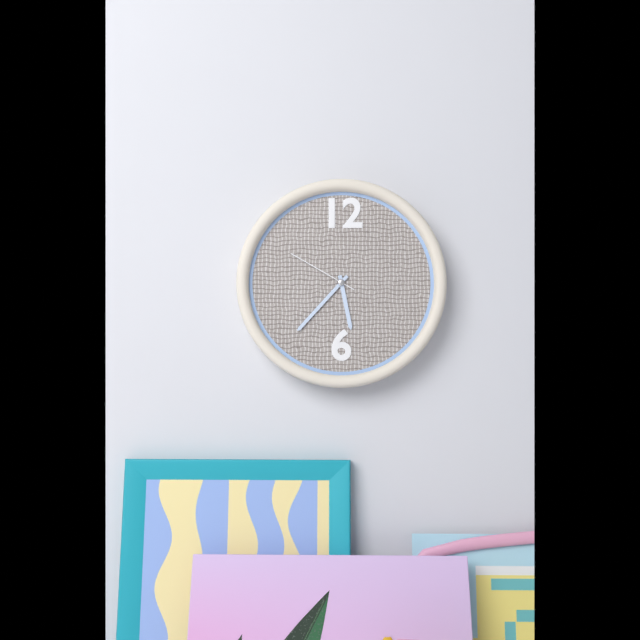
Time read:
h=5 m=37 s=50
